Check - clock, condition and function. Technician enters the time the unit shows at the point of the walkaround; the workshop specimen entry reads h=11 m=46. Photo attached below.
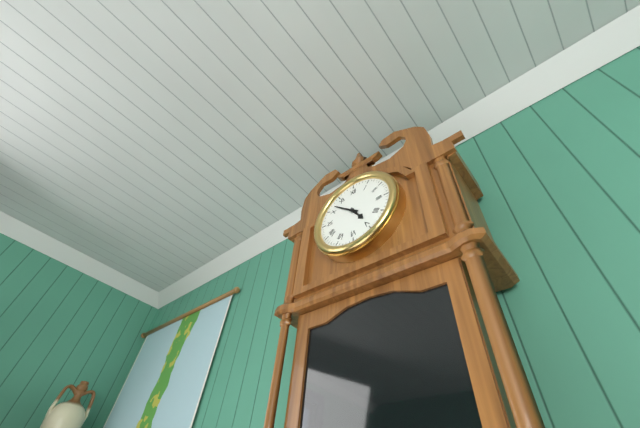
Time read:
h=4 m=52
